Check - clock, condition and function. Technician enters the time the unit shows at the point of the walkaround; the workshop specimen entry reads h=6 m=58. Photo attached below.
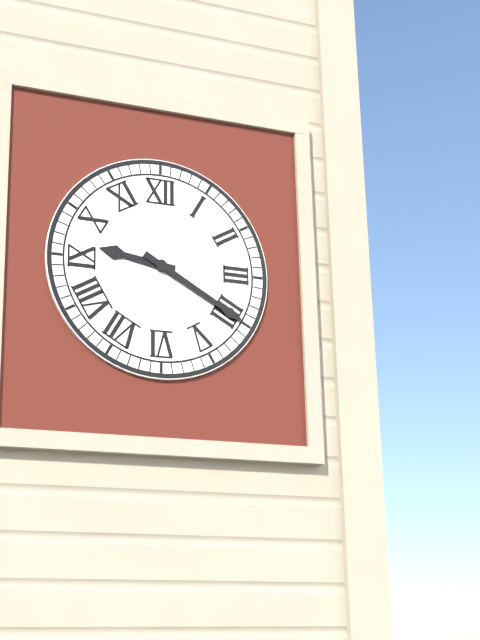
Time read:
h=9 m=20
